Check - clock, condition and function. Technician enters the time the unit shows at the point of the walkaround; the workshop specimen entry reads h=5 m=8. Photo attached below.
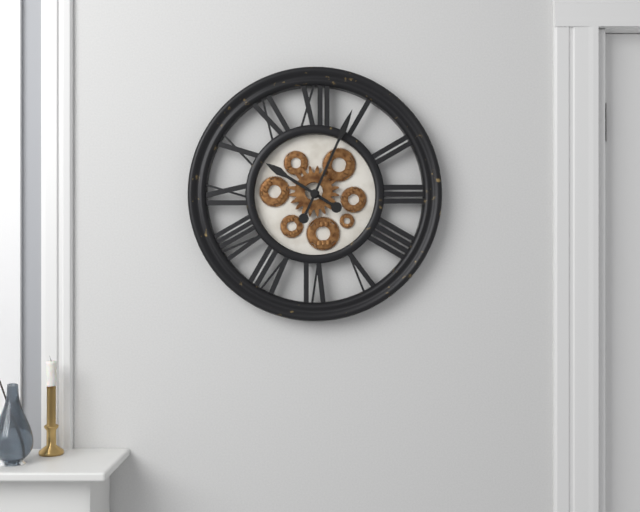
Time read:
h=10 m=4
